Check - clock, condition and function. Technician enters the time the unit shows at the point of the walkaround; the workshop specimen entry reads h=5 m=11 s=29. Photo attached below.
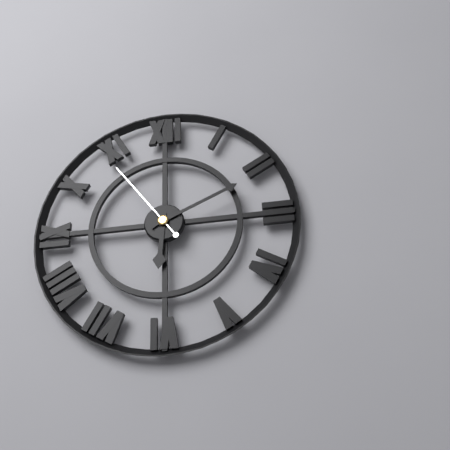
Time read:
h=6 m=11 s=54
